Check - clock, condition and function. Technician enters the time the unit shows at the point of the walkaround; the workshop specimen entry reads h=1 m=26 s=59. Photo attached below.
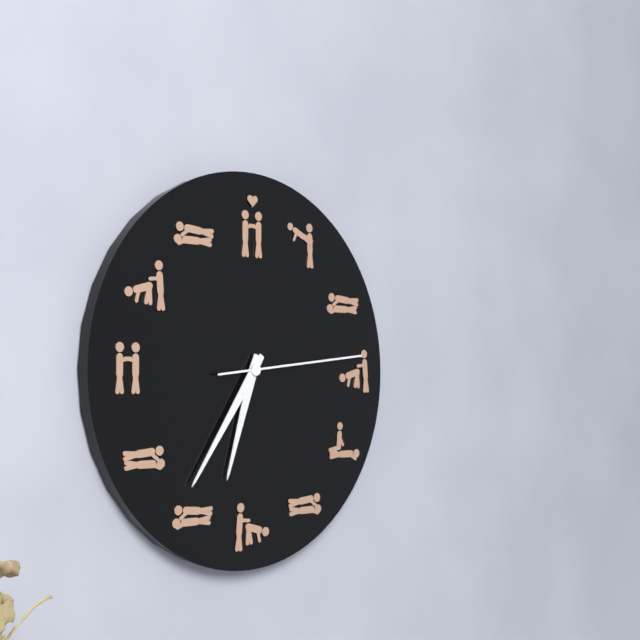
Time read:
h=6 m=36 s=14
